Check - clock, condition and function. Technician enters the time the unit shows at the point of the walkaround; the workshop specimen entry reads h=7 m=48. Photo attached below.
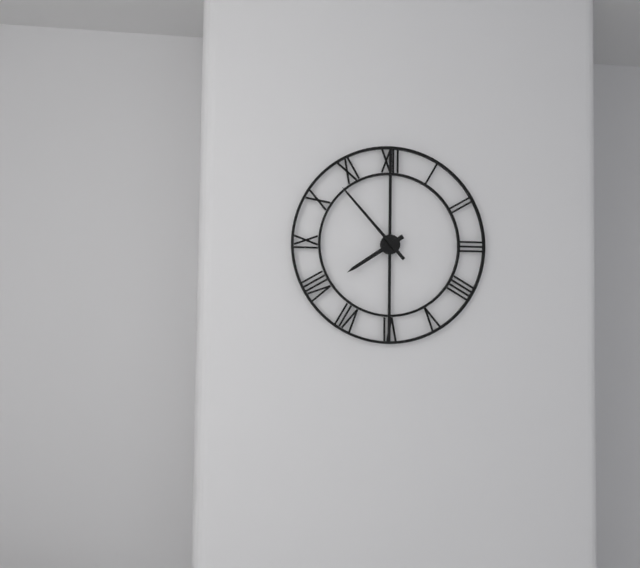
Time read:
h=7 m=53
